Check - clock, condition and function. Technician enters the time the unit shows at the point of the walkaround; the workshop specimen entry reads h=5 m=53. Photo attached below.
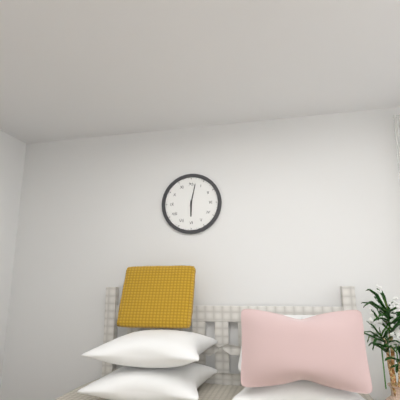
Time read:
h=6 m=2
